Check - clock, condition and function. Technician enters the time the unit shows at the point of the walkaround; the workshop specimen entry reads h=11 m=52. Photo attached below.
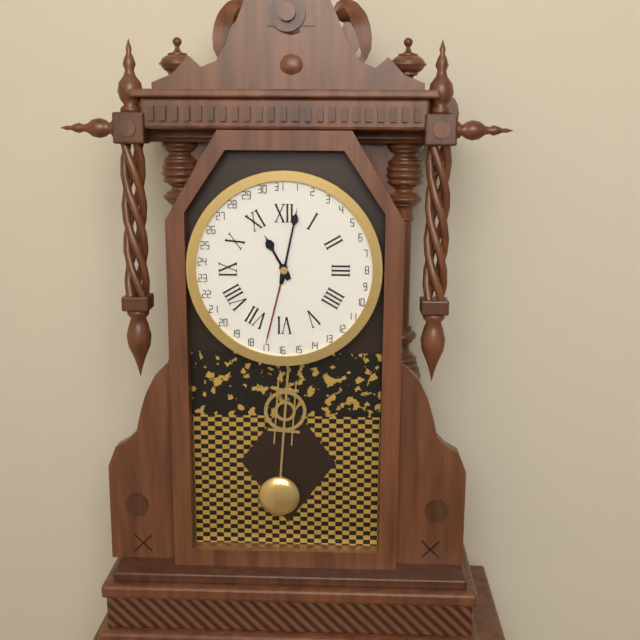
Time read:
h=11 m=2
